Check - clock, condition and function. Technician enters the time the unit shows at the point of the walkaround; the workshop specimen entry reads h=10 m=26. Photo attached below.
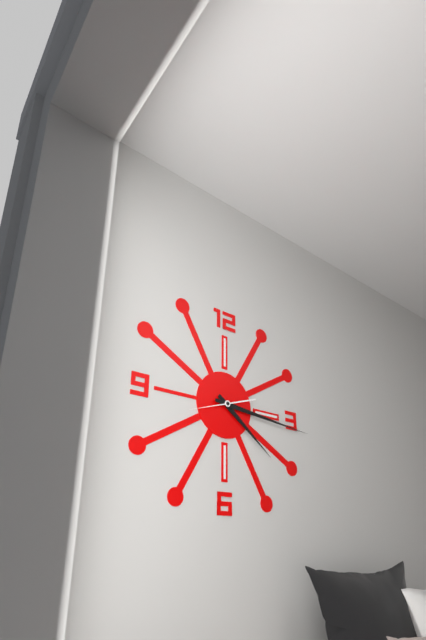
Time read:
h=4 m=16
